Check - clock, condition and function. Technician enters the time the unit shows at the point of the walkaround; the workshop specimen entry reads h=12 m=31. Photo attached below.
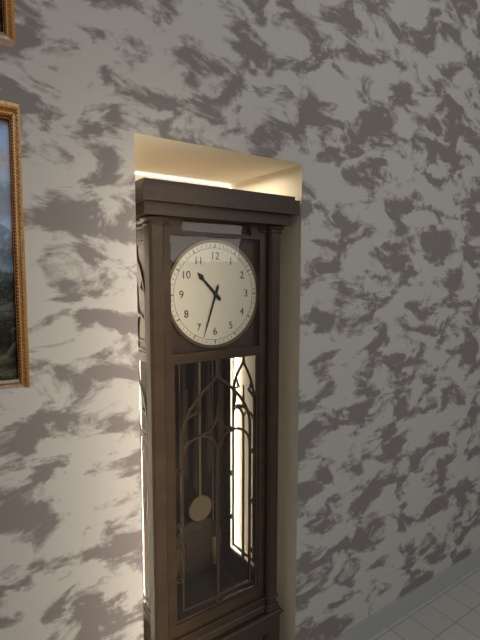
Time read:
h=10 m=33
